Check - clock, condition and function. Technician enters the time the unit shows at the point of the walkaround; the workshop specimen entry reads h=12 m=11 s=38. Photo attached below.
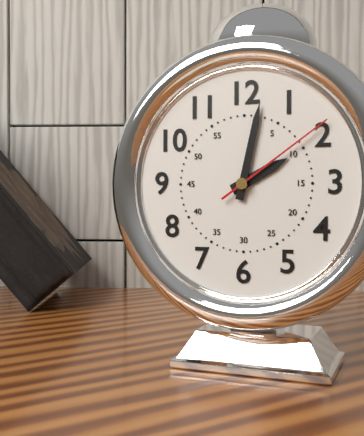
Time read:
h=2 m=2 s=9
